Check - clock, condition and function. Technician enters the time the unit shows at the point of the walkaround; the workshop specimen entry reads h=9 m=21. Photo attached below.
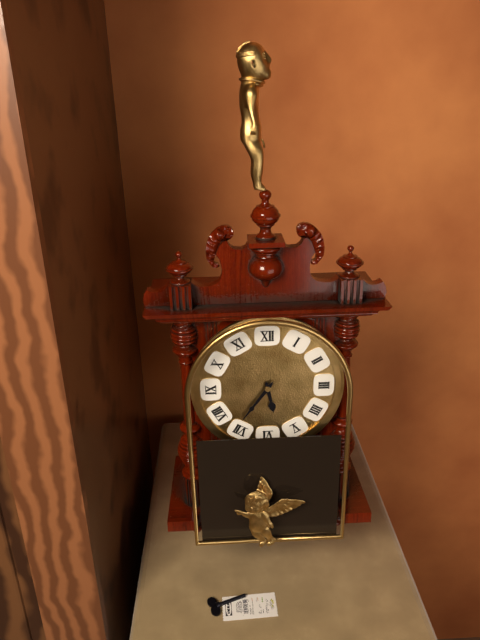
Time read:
h=5 m=36
